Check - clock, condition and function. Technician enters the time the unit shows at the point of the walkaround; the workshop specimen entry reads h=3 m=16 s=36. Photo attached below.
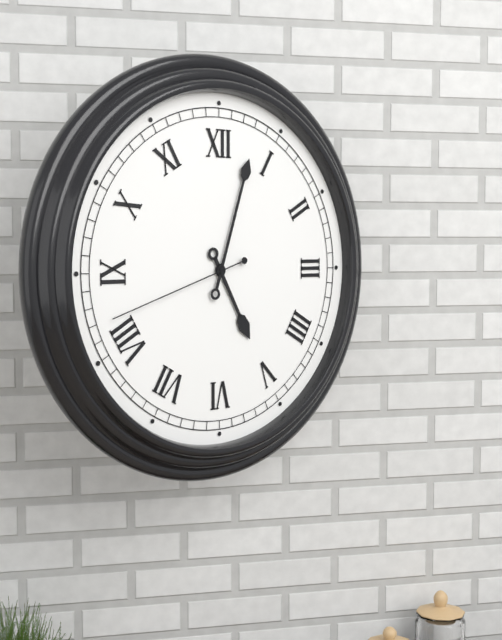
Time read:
h=5 m=3 s=42
